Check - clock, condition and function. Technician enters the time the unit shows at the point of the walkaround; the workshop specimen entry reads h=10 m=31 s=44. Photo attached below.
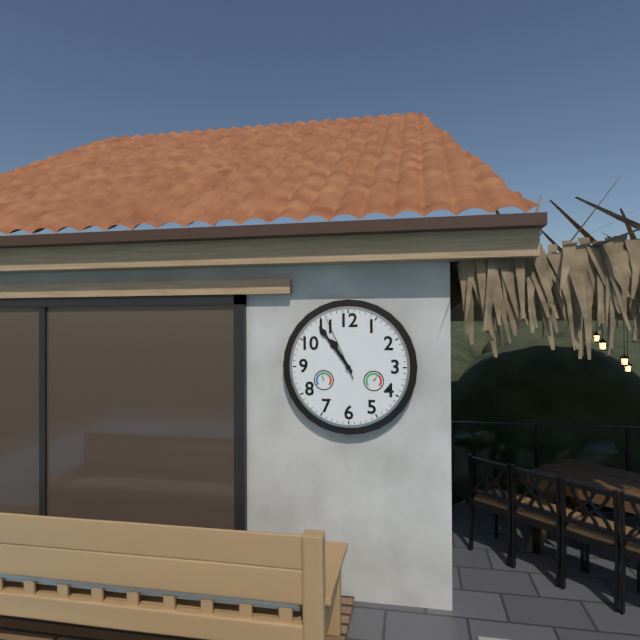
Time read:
h=10 m=54 s=56
